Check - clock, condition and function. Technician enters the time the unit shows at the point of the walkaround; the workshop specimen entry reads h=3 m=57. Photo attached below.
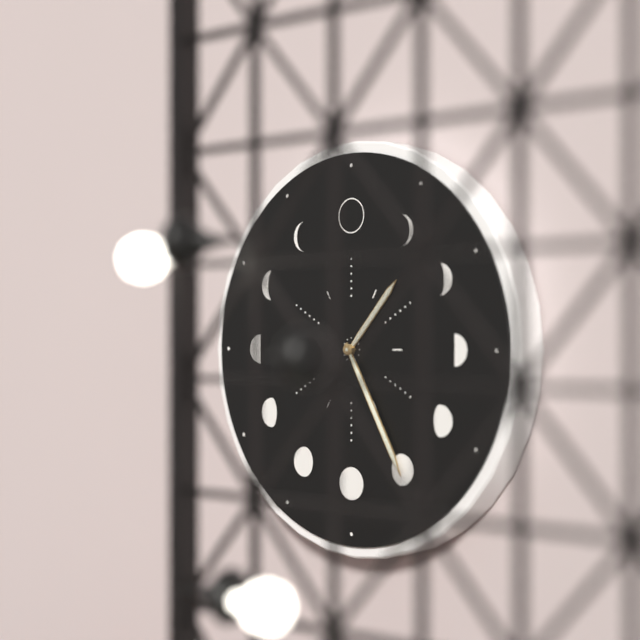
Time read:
h=1 m=25
